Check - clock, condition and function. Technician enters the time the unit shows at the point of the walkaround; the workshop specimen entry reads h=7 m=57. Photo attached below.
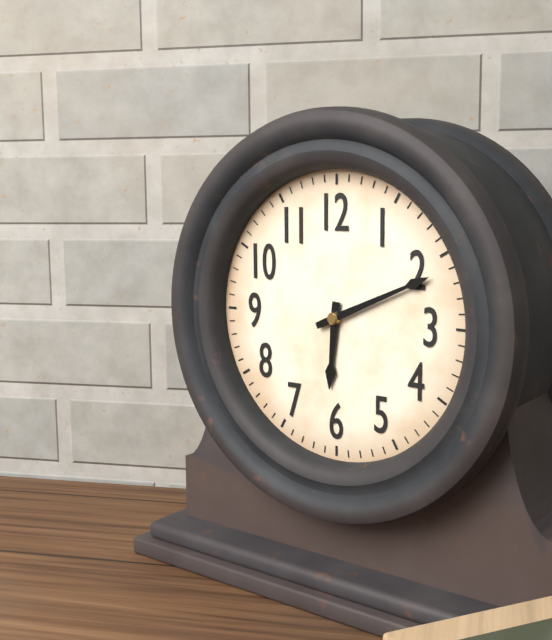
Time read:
h=6 m=11
